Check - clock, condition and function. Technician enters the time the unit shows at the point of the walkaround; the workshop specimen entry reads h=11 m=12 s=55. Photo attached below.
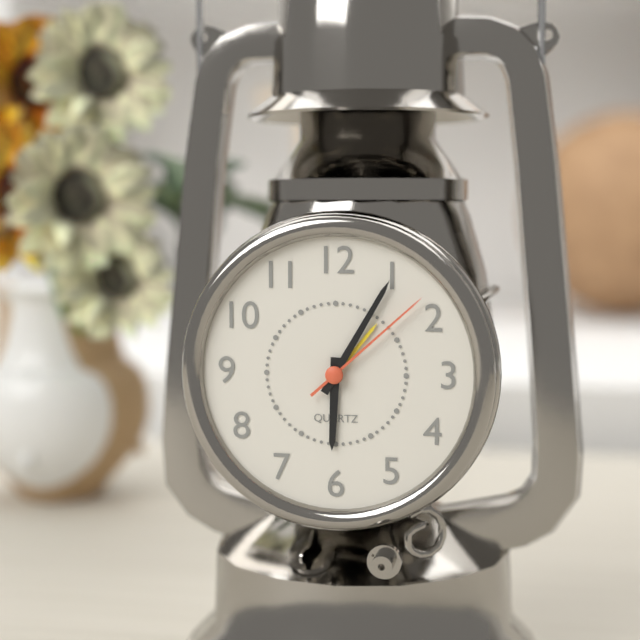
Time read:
h=6 m=5 s=8
